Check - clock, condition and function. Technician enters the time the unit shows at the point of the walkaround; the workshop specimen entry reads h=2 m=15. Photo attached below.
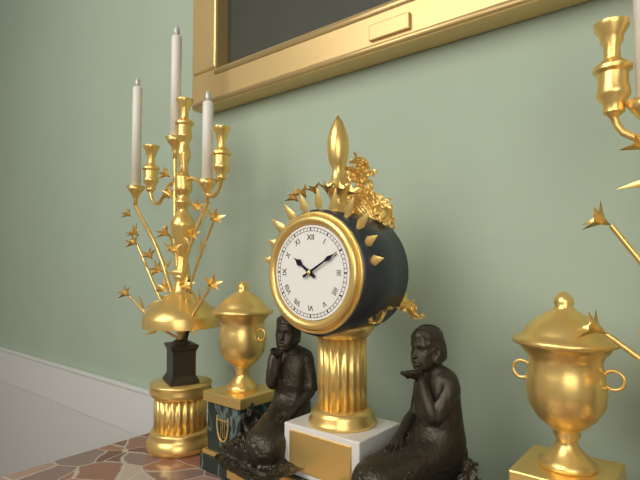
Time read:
h=10 m=10
